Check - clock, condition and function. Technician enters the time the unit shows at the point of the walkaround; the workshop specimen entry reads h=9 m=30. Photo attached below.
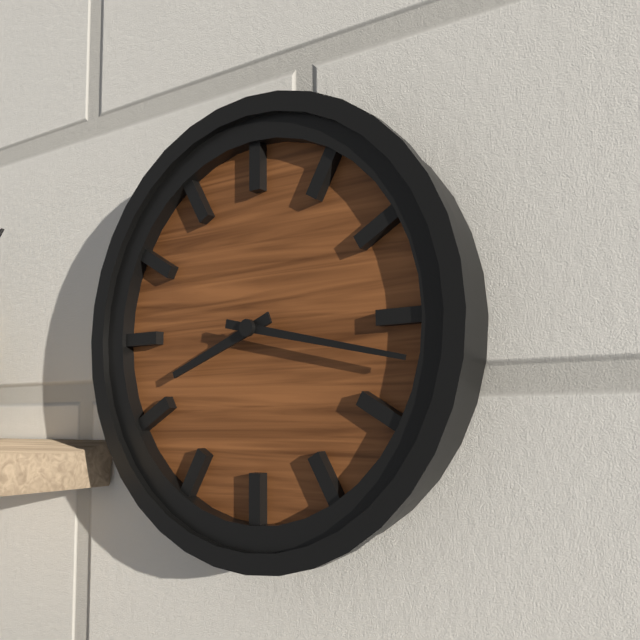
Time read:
h=8 m=17
